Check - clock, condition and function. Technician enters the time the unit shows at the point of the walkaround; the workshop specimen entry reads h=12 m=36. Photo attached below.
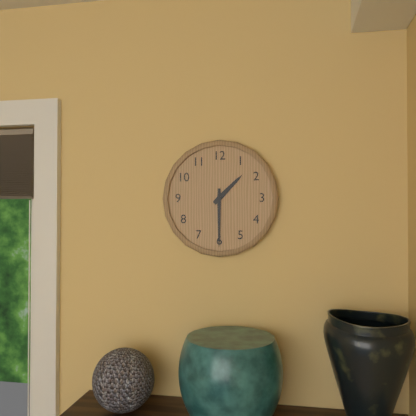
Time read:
h=1 m=30
